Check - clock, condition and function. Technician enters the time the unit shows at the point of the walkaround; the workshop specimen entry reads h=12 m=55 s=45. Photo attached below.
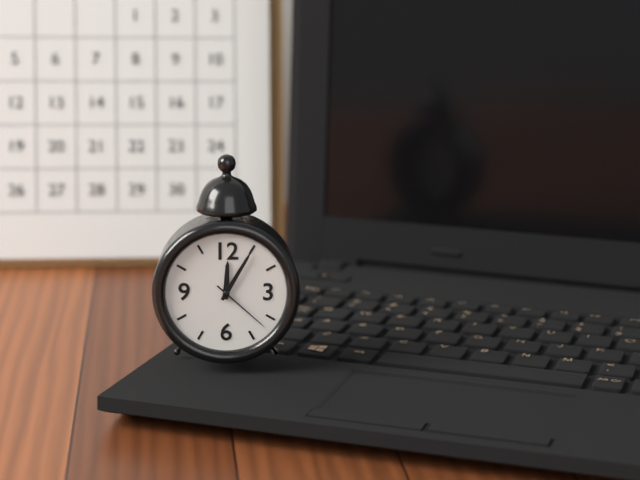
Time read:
h=12 m=5 s=22
